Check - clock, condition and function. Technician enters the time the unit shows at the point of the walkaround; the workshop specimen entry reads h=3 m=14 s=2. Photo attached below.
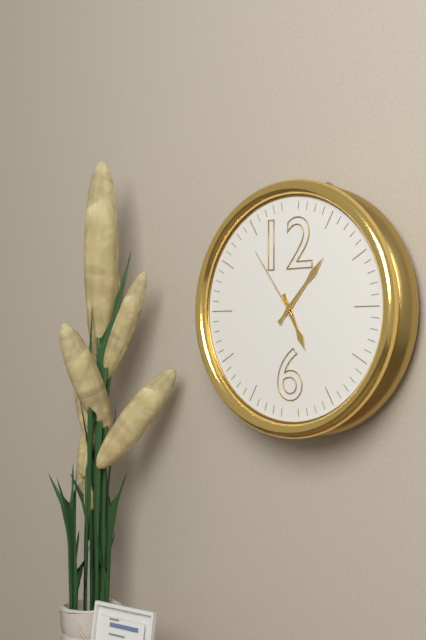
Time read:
h=5 m=7 s=54
